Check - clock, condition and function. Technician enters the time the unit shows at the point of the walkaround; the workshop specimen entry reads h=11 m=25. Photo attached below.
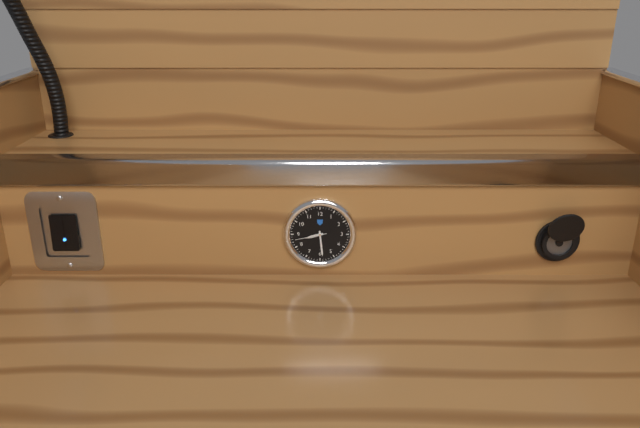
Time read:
h=8 m=29
